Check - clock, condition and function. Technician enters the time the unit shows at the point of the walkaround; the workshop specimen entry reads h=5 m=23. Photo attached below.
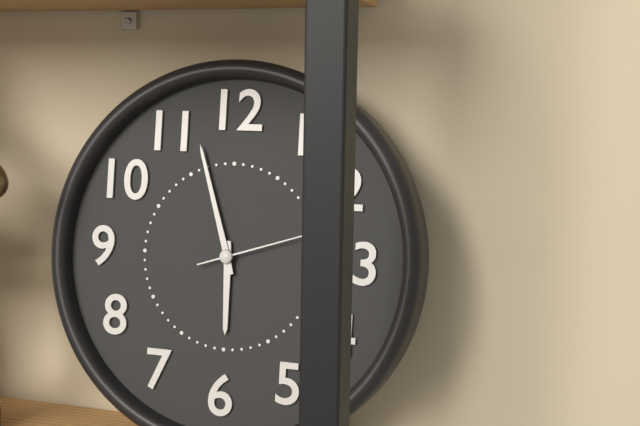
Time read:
h=5 m=57
